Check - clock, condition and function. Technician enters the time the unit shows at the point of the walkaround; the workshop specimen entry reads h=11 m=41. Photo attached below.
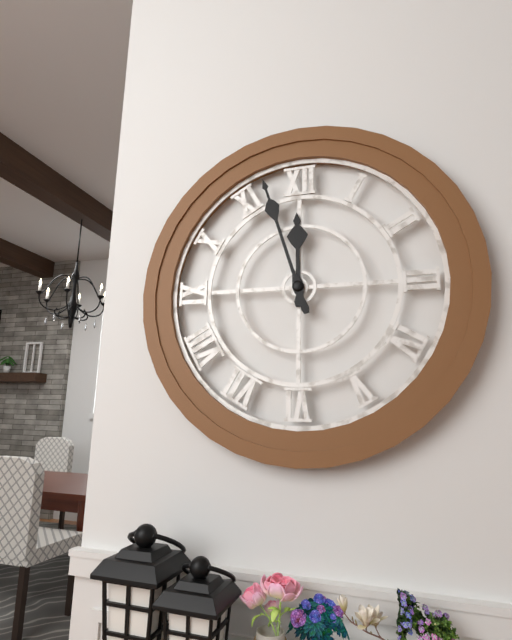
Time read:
h=11 m=57
